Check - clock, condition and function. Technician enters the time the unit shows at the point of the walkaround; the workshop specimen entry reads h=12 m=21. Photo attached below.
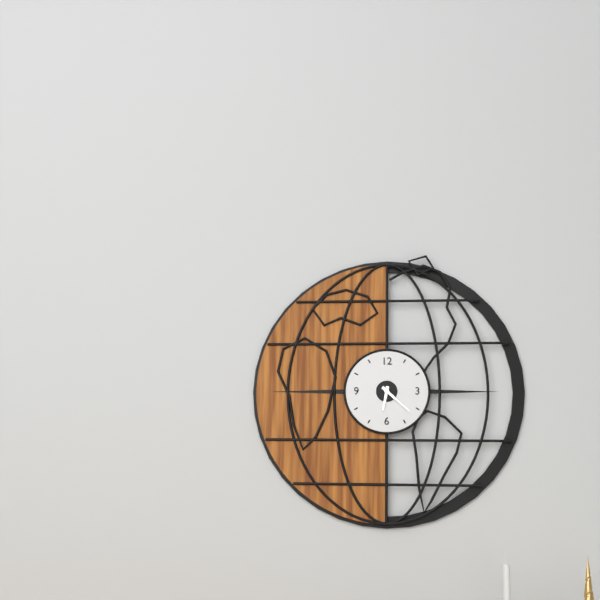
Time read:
h=6 m=22
